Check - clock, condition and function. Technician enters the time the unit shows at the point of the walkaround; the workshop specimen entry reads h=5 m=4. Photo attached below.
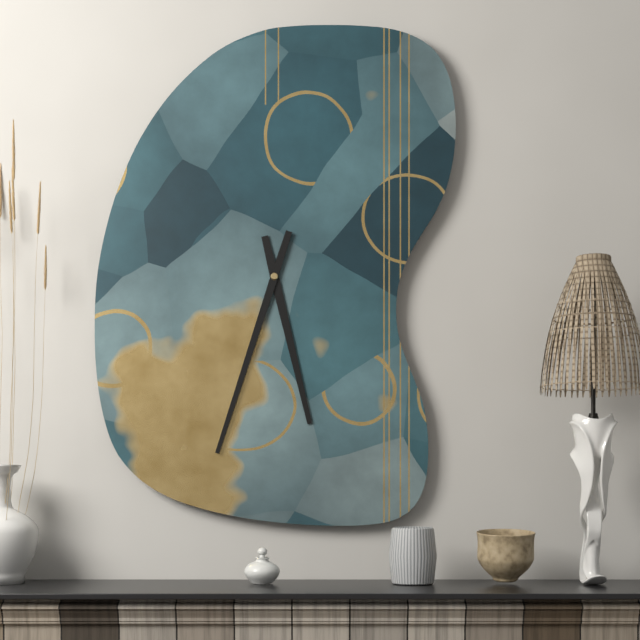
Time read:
h=5 m=33
